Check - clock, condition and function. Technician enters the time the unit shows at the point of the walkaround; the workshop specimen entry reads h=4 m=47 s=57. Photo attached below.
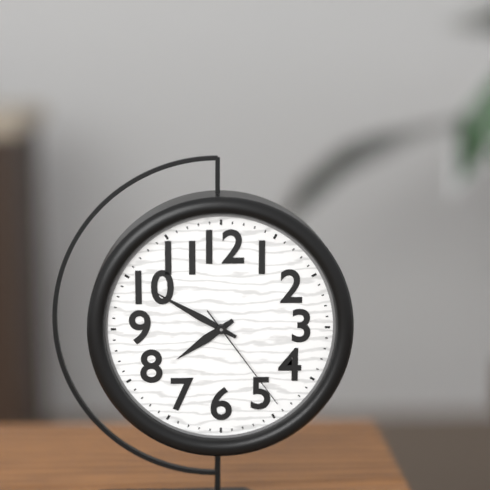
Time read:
h=7 m=50 s=24
